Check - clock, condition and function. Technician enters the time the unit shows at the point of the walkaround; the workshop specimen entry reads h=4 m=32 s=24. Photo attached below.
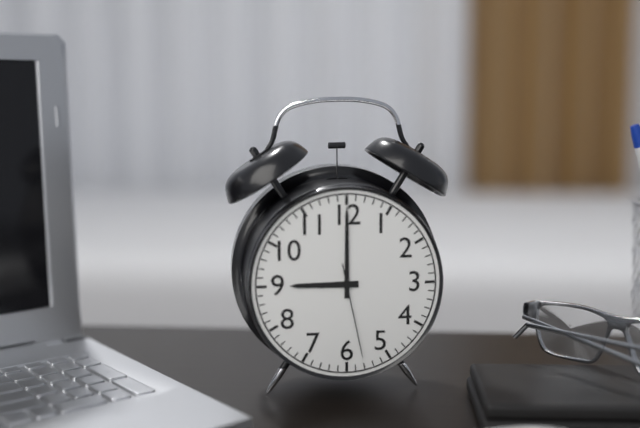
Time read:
h=9 m=0 s=28
